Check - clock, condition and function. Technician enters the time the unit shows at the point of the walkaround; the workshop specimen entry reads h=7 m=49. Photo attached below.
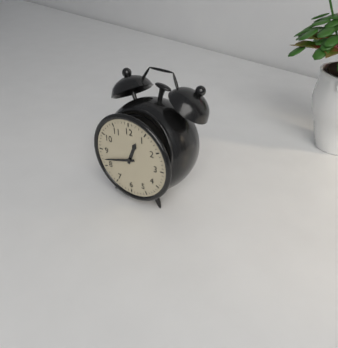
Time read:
h=12 m=42
